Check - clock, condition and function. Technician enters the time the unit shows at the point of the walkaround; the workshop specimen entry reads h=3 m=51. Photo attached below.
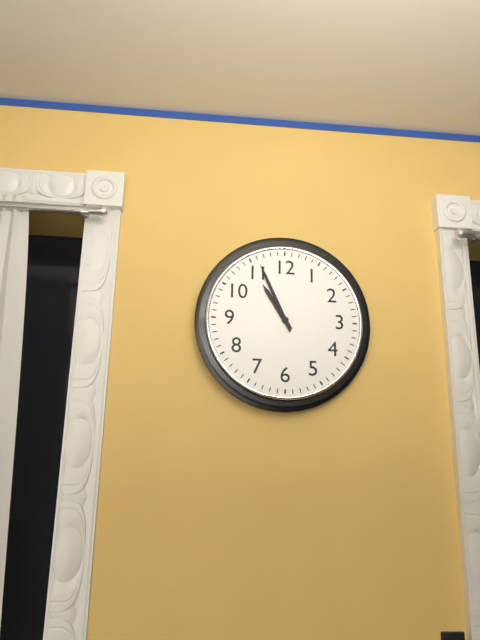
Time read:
h=10 m=56
